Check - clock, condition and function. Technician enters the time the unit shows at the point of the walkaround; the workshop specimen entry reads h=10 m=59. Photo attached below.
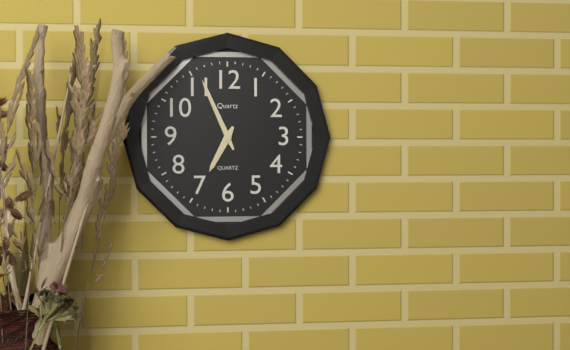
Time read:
h=6 m=56
